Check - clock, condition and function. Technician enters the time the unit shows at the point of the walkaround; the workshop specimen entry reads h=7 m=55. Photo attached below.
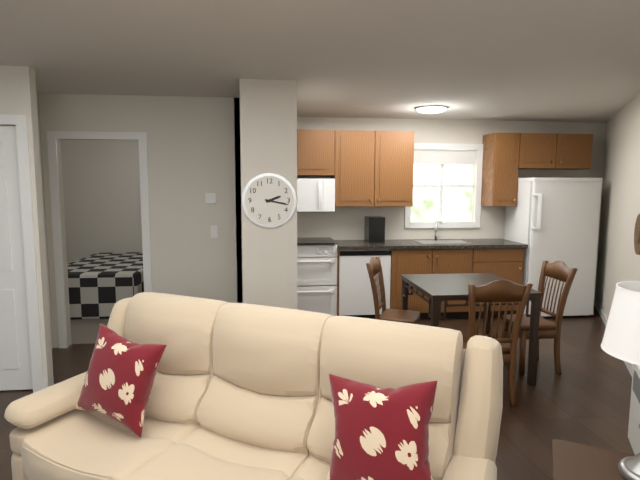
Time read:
h=2 m=17
